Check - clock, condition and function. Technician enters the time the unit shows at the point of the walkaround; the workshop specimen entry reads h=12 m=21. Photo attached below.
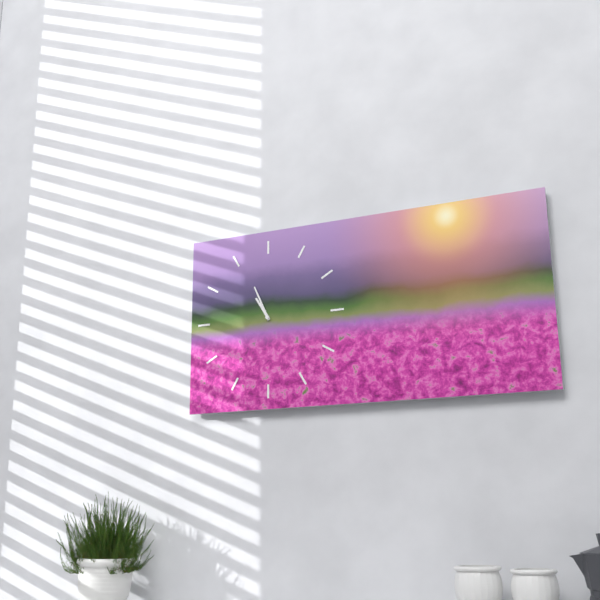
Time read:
h=10 m=56
